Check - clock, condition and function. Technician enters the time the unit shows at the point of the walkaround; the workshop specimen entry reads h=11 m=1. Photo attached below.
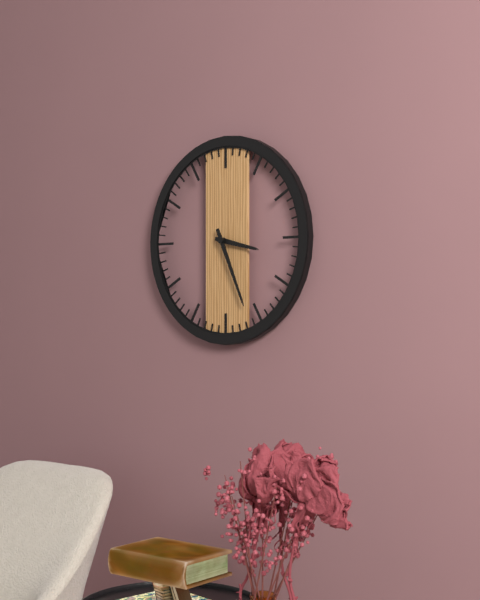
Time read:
h=3 m=26
